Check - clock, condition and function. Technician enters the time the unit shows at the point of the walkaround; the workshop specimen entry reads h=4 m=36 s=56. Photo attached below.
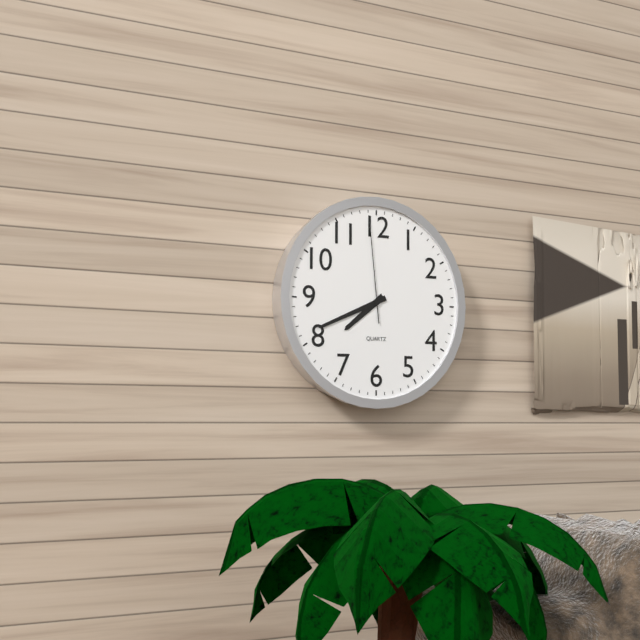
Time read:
h=7 m=41 s=59
